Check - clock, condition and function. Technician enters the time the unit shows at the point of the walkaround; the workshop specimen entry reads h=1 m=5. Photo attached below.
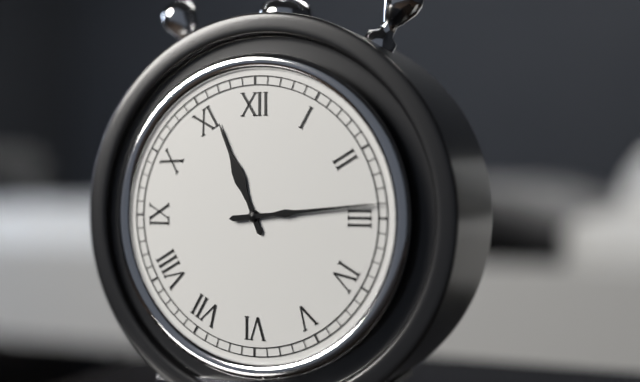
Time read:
h=11 m=14
